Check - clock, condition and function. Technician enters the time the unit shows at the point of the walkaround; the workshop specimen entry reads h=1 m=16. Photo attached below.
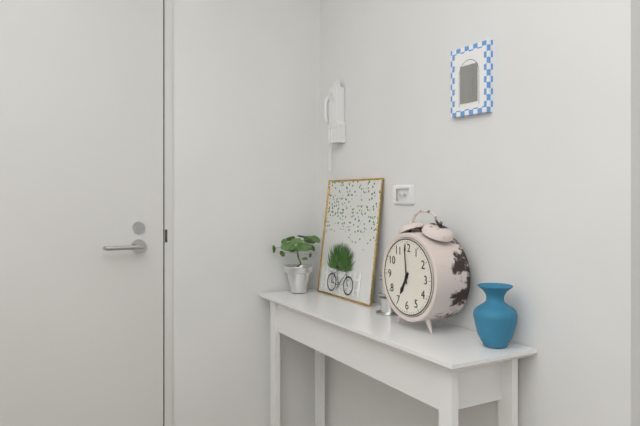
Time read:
h=6 m=59
